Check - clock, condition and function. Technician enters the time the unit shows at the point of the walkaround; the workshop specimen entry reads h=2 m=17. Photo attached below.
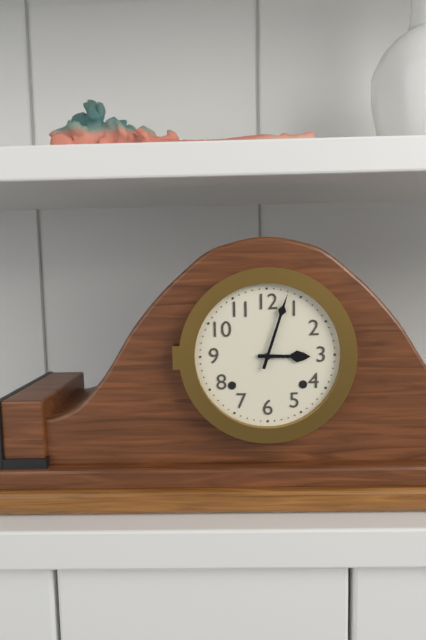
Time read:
h=3 m=3
